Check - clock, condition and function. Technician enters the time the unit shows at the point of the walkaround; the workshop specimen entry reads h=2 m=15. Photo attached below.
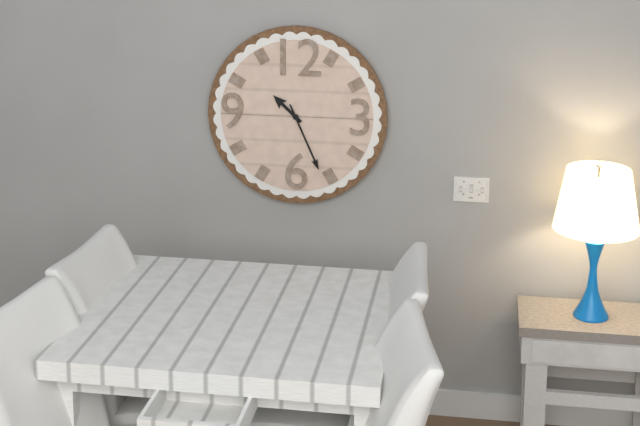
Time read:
h=10 m=26
